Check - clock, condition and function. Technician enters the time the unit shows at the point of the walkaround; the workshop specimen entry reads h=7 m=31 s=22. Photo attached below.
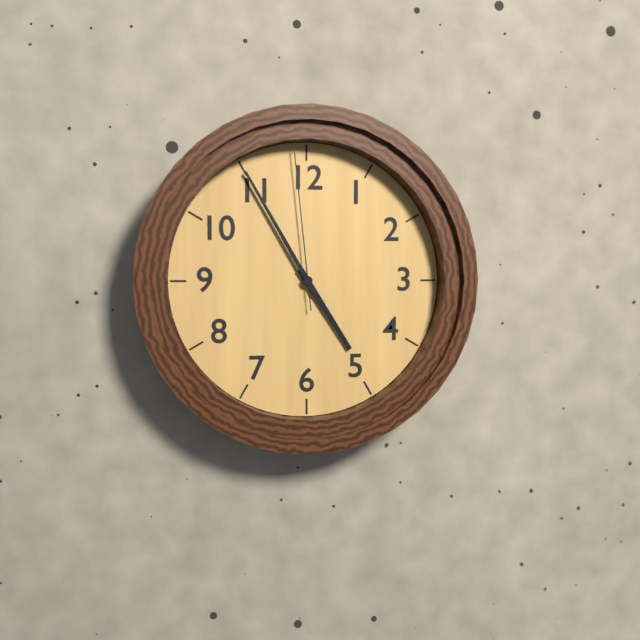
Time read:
h=4 m=55 s=59
